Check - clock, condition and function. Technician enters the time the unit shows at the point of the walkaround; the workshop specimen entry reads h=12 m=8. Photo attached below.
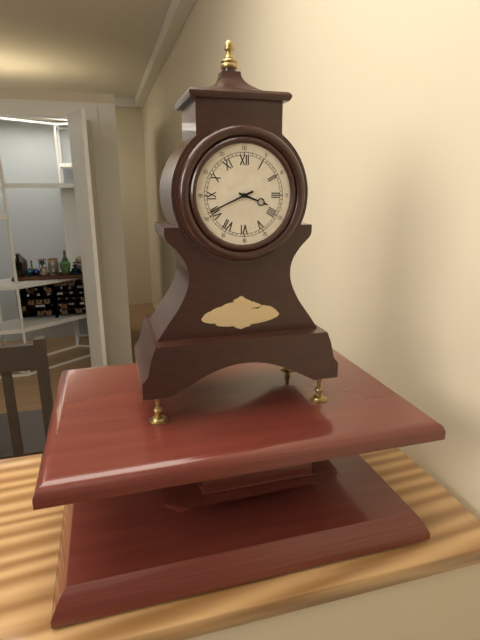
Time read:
h=3 m=41
